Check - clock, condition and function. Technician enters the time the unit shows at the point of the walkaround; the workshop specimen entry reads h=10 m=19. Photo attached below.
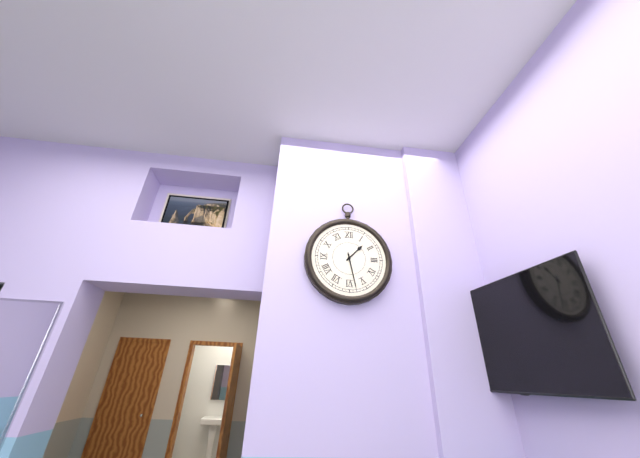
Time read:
h=1 m=28
